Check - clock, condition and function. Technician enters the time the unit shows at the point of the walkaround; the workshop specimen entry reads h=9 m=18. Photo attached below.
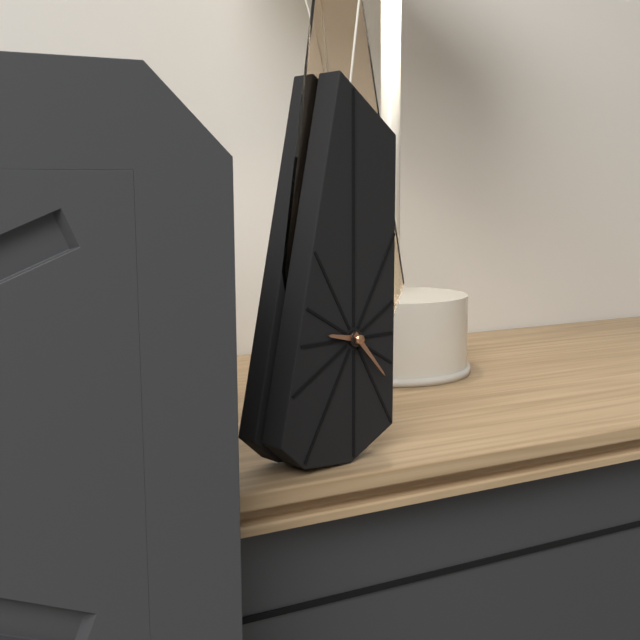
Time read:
h=9 m=23
